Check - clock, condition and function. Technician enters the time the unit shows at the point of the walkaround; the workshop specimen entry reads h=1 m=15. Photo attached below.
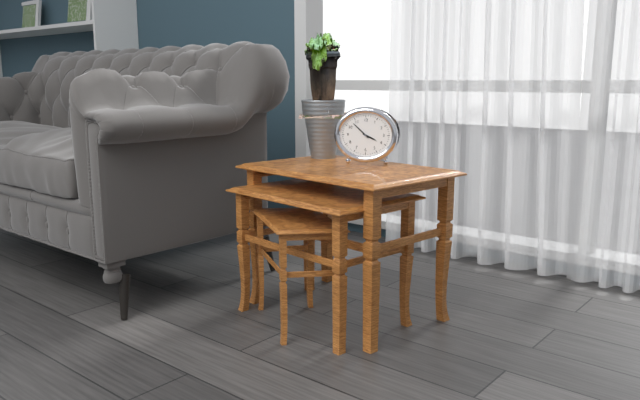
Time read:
h=3 m=52
